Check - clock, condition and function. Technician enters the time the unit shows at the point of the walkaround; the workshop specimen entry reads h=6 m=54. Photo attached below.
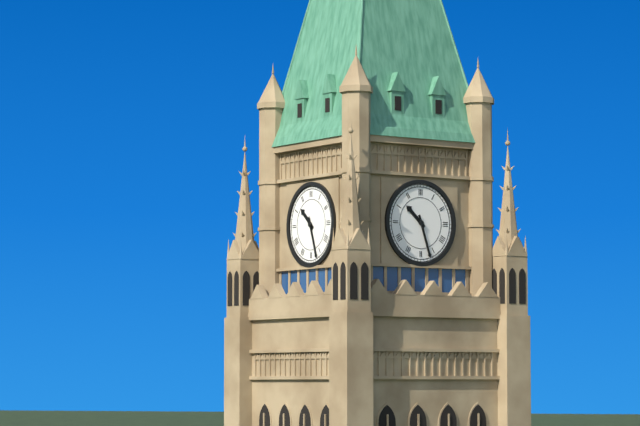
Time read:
h=10 m=27
